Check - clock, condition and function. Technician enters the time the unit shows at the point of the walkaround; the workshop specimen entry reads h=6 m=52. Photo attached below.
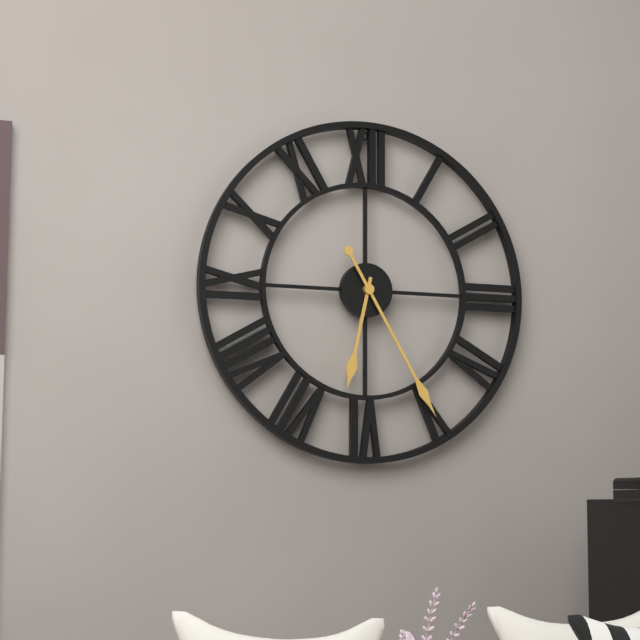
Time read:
h=6 m=25
